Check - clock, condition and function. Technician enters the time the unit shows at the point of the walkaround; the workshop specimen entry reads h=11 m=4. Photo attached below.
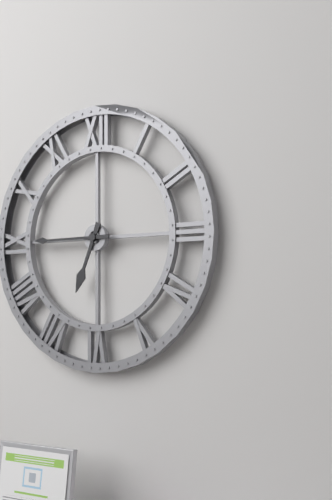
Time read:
h=6 m=45
